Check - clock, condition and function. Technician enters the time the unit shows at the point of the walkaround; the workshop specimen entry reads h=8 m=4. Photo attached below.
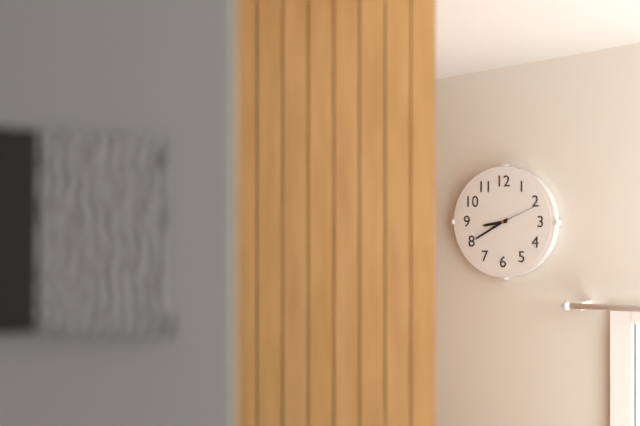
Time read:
h=8 m=40
